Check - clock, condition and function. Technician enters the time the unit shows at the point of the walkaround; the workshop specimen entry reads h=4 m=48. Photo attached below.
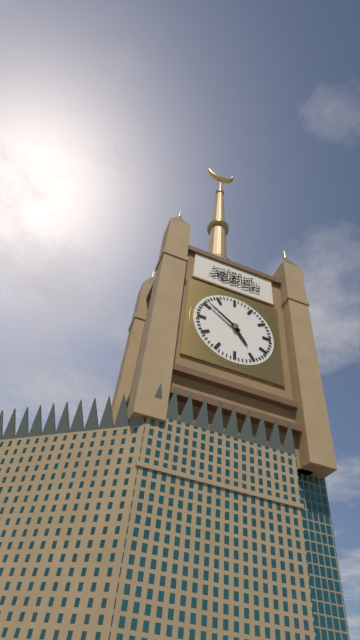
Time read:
h=4 m=51
